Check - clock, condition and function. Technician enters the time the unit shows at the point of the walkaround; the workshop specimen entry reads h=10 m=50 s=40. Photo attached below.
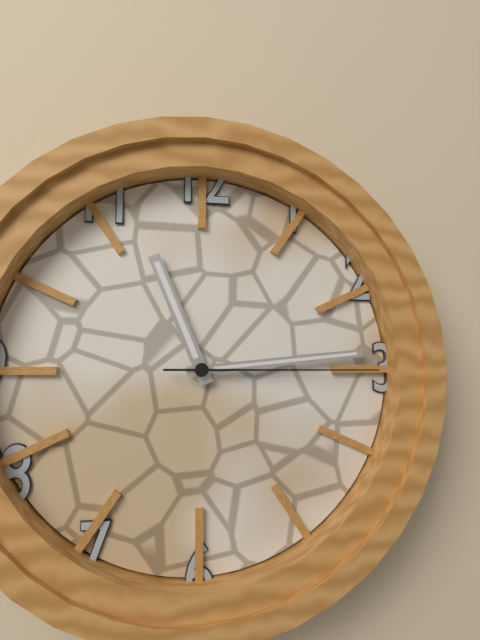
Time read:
h=11 m=14 s=15
